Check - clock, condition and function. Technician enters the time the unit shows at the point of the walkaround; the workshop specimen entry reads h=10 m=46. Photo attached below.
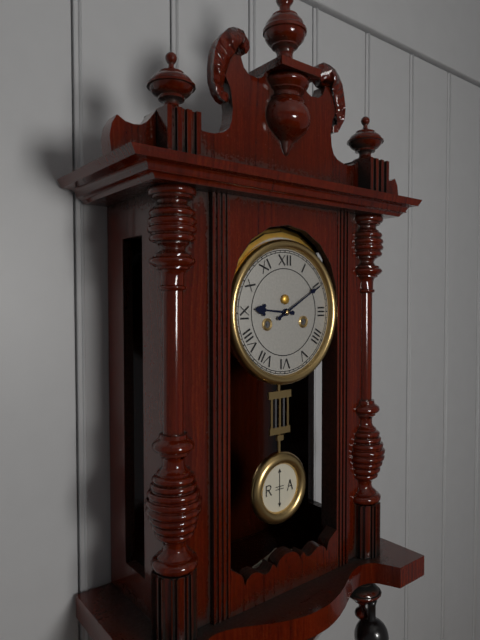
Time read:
h=9 m=10
